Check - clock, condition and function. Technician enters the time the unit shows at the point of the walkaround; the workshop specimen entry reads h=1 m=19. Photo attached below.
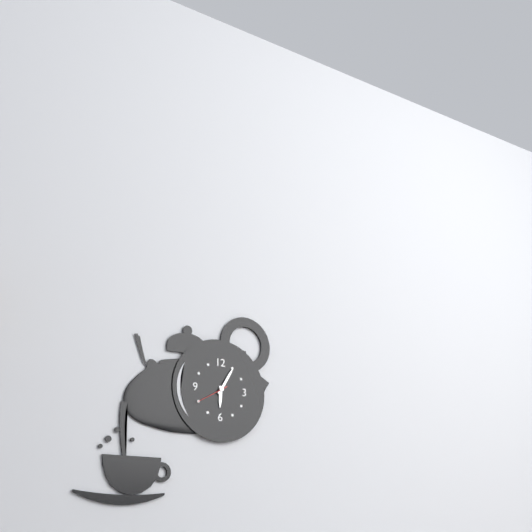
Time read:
h=6 m=5
